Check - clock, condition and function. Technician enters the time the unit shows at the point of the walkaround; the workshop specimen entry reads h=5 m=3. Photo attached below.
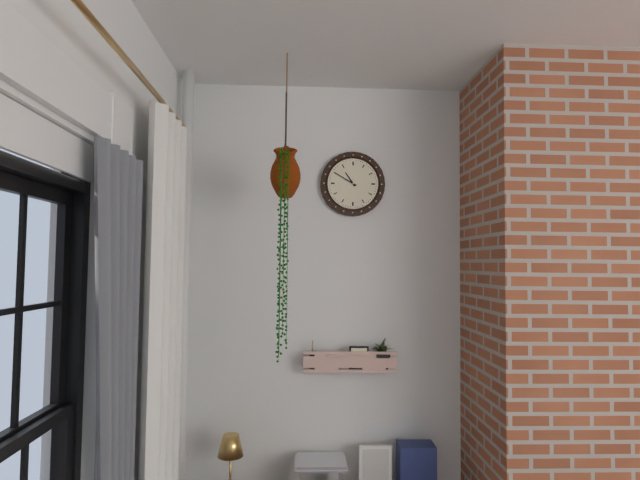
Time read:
h=10 m=50
